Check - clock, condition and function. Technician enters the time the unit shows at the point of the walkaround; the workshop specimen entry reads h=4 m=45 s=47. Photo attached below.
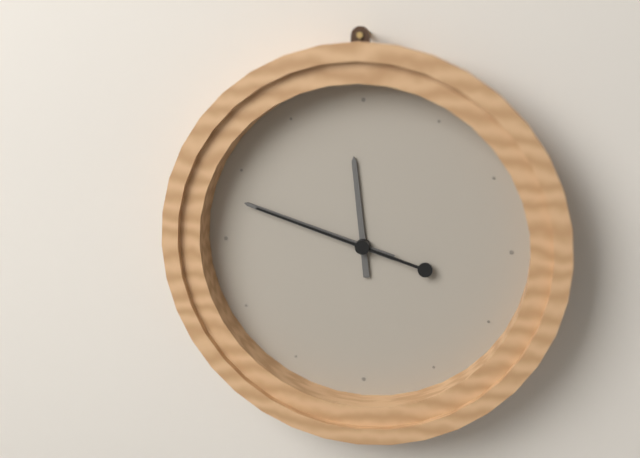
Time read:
h=11 m=48 s=48
